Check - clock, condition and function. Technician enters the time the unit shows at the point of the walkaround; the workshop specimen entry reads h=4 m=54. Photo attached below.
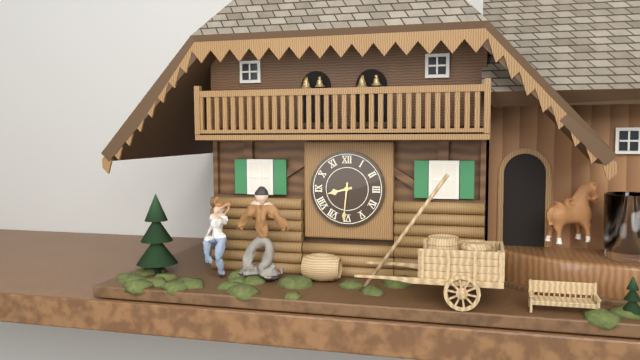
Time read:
h=8 m=31
